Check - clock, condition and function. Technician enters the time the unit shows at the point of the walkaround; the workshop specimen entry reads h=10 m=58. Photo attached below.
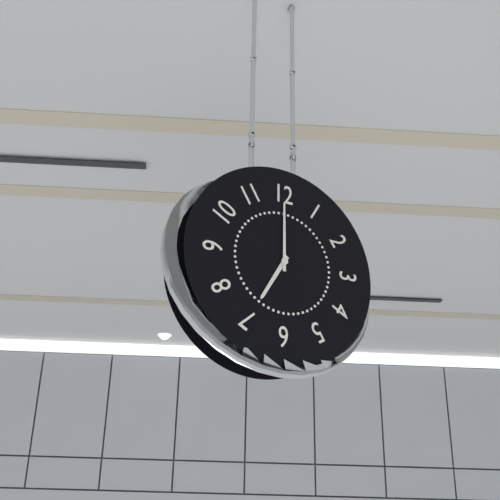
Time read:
h=7 m=0
